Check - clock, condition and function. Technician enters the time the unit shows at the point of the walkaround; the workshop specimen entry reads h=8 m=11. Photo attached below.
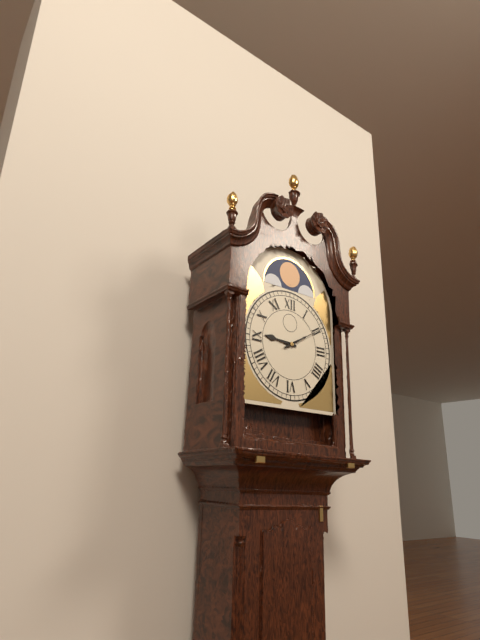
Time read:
h=9 m=10
